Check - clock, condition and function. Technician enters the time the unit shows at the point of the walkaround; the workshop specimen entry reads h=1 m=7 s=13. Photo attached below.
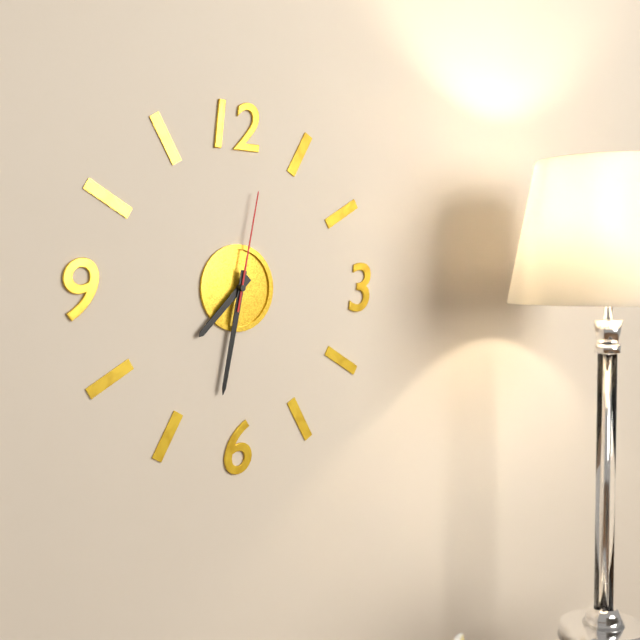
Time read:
h=7 m=32 s=2
